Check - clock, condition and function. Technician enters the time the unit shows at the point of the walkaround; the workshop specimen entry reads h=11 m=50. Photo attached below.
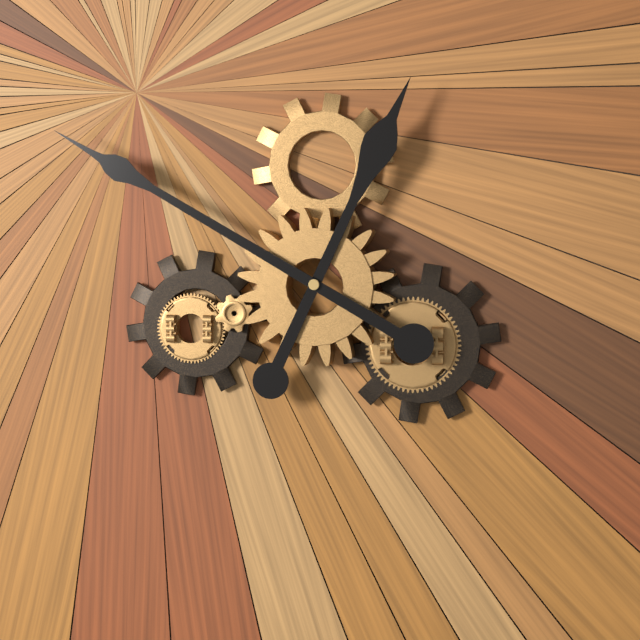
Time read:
h=12 m=50
